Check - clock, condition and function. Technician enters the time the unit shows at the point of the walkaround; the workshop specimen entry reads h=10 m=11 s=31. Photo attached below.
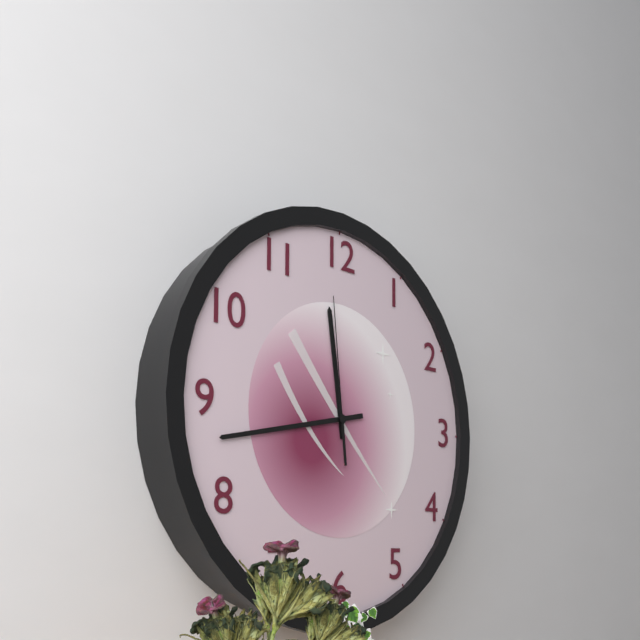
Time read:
h=11 m=43 s=59
